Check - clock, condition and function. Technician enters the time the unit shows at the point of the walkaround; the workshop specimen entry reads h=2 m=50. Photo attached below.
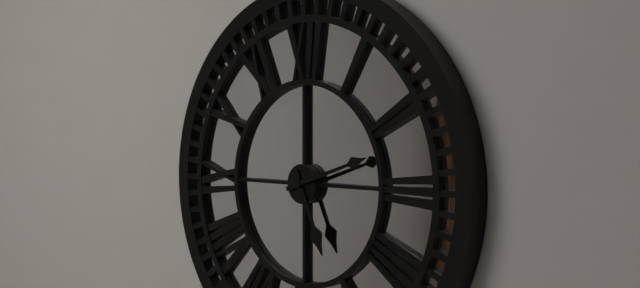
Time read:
h=5 m=12
